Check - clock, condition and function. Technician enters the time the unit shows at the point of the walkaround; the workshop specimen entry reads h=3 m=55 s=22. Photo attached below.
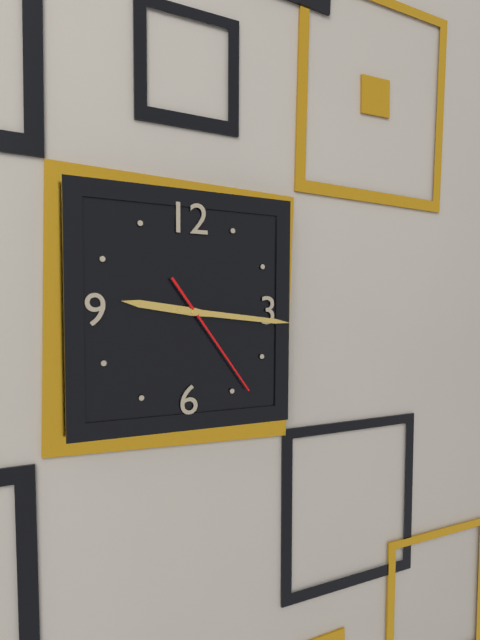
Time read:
h=9 m=16 s=24
